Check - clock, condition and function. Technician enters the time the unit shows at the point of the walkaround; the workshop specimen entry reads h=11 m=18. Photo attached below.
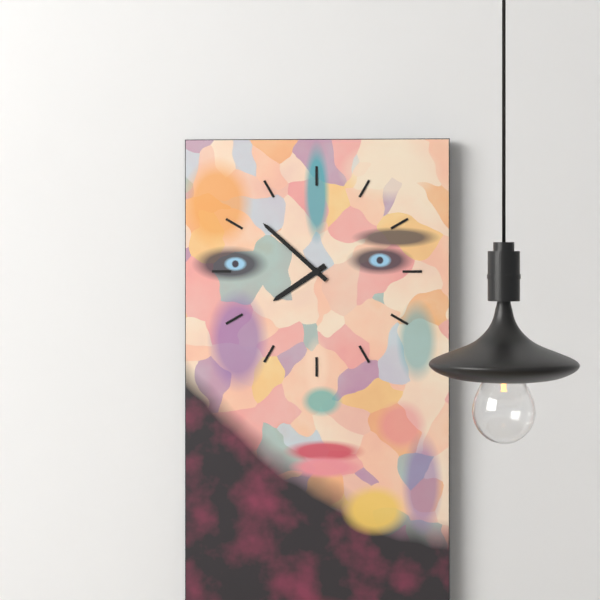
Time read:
h=7 m=52
